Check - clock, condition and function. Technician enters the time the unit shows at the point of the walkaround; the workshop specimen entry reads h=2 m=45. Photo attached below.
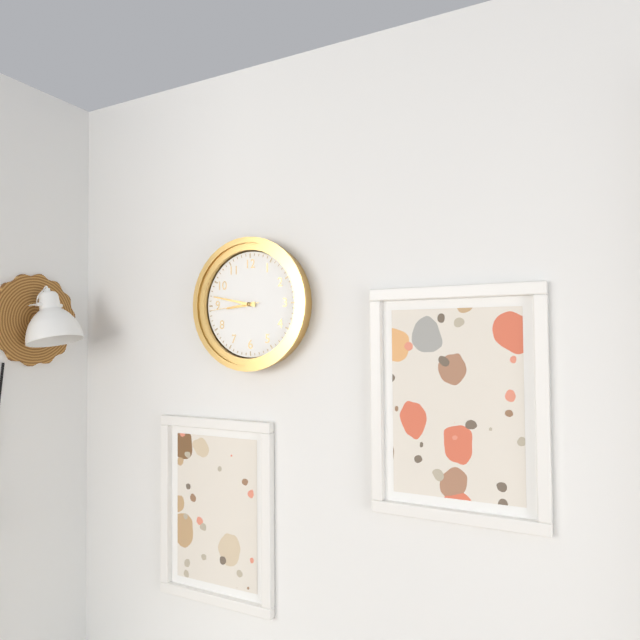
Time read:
h=8 m=47
